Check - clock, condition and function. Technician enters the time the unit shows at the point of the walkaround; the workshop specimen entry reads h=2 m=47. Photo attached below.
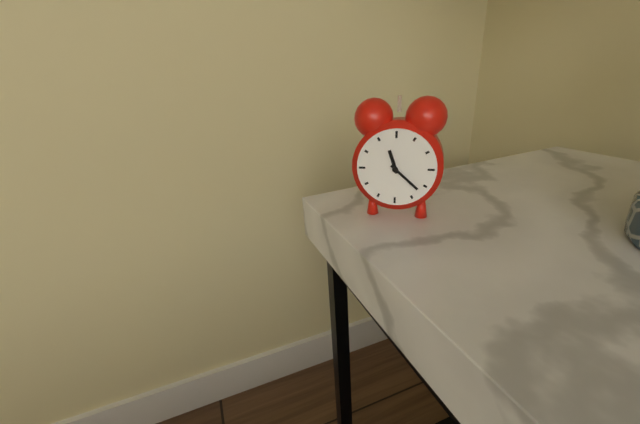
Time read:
h=11 m=22
